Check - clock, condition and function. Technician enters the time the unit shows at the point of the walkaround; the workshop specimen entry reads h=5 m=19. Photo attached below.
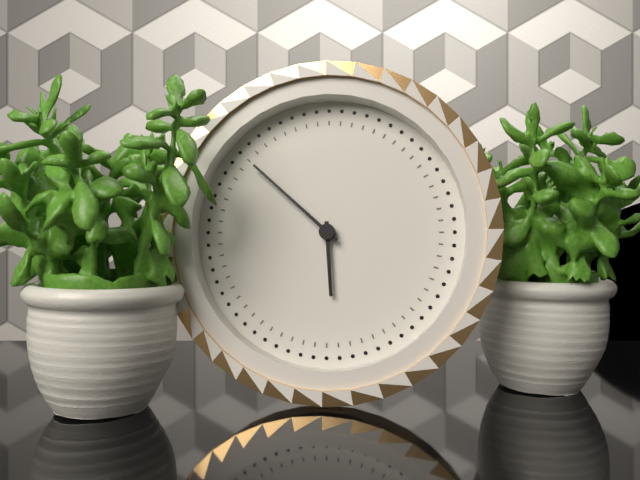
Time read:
h=5 m=52
